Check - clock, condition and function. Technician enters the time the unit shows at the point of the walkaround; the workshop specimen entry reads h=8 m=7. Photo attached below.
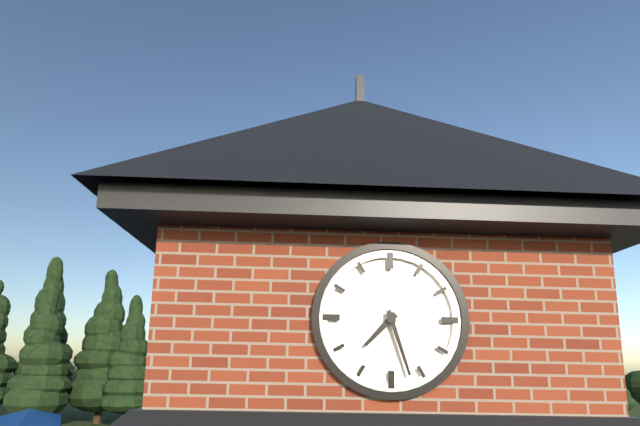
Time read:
h=7 m=27
